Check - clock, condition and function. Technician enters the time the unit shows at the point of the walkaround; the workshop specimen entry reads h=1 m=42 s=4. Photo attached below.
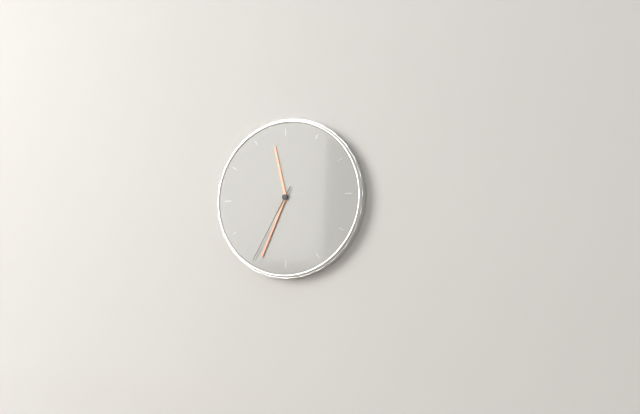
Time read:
h=11 m=34 s=35
